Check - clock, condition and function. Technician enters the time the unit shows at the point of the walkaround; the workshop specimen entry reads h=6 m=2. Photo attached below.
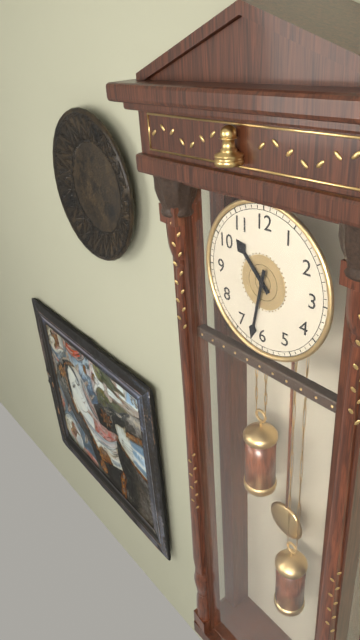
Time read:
h=10 m=32
